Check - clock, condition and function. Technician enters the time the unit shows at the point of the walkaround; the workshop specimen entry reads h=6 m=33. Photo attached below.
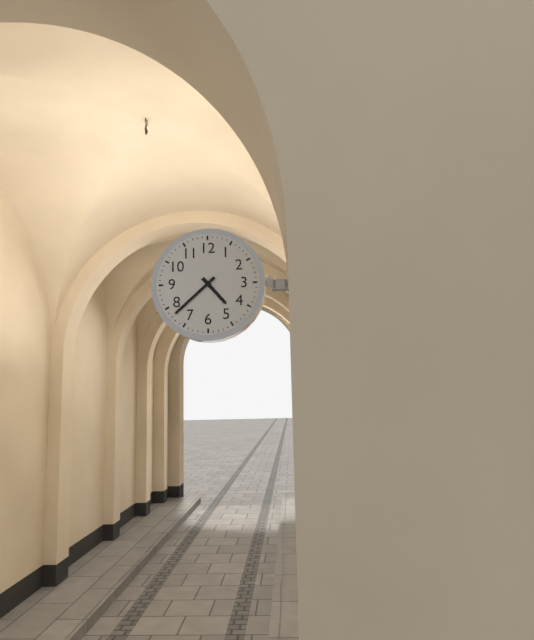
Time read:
h=4 m=38
